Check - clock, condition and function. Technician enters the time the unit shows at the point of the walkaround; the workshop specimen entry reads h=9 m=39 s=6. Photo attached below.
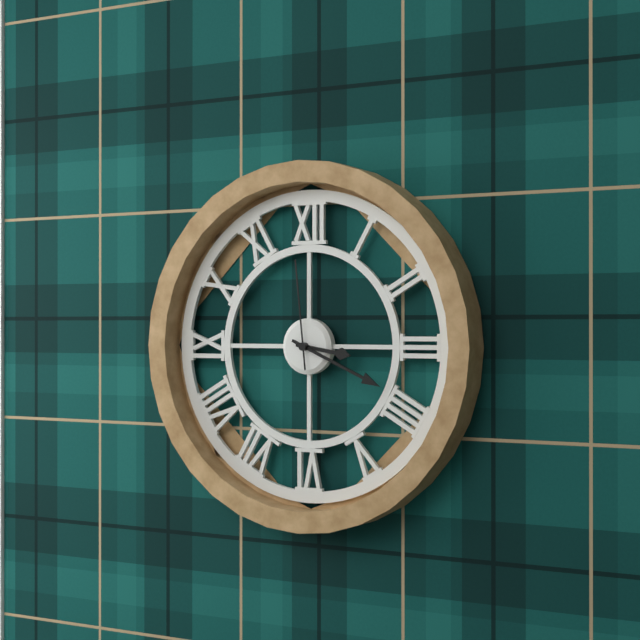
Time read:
h=3 m=19 s=59
